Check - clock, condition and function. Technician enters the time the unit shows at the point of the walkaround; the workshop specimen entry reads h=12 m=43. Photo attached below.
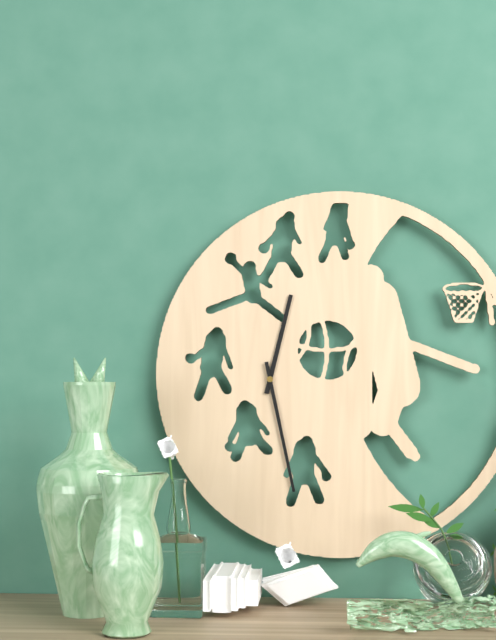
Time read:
h=12 m=28
